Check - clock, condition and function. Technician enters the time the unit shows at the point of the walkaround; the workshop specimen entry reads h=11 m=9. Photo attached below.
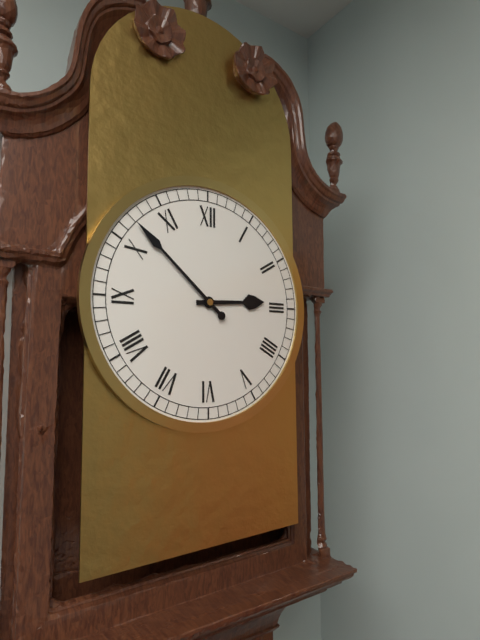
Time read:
h=2 m=52
